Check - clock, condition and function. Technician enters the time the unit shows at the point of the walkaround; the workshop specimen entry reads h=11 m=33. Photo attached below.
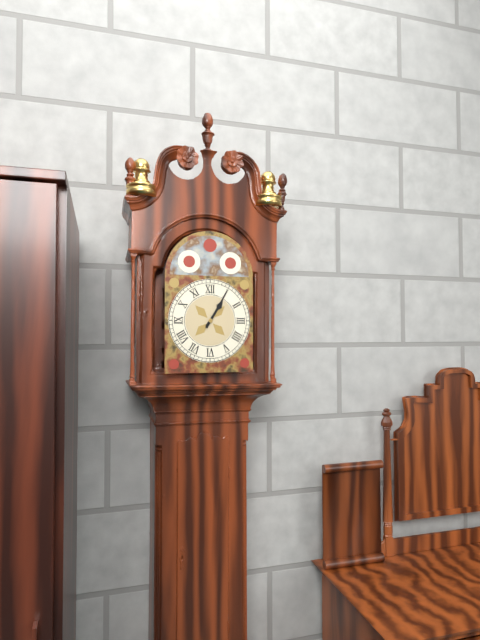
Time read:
h=1 m=5
